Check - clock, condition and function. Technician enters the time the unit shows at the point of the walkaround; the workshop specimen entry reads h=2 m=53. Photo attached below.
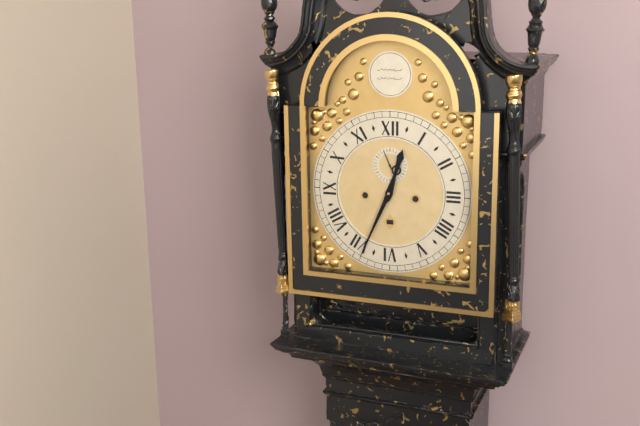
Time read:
h=12 m=34
